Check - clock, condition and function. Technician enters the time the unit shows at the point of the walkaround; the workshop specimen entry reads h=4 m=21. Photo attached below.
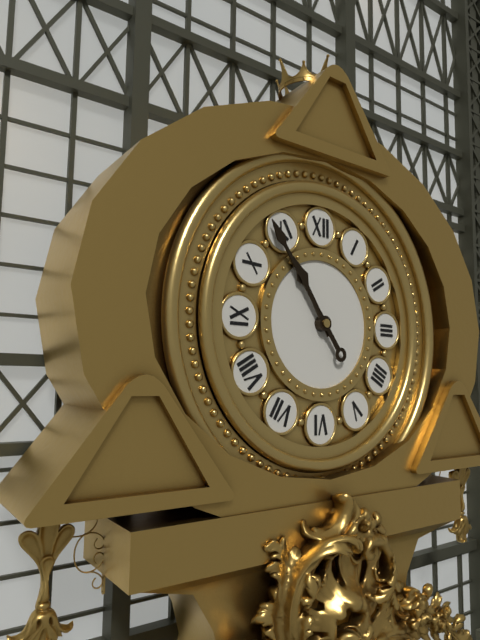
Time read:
h=10 m=54
